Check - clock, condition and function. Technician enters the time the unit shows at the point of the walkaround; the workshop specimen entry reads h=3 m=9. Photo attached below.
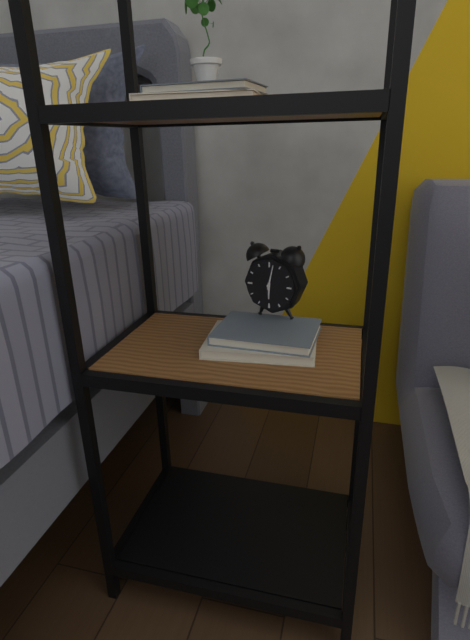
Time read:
h=6 m=2
